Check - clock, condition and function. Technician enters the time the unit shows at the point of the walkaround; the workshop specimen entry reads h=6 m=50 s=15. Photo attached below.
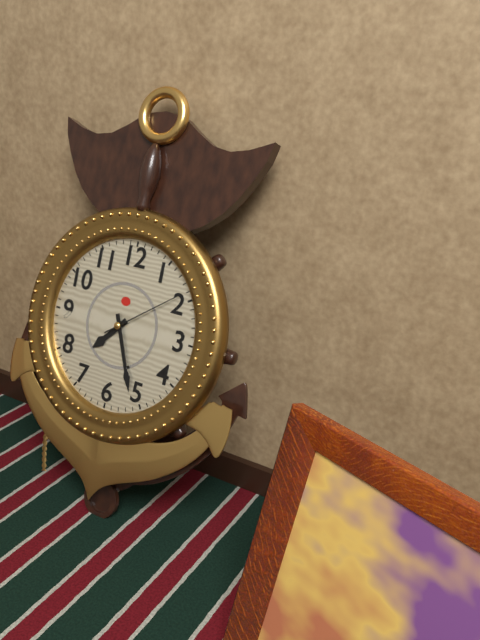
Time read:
h=7 m=26 s=9
